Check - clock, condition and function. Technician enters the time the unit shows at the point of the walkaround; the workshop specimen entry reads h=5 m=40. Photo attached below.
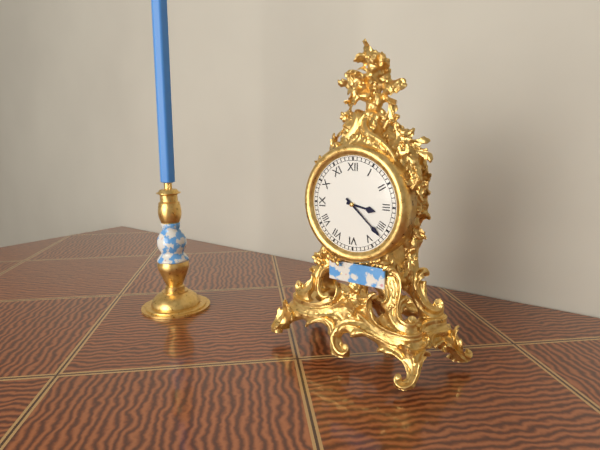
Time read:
h=3 m=22
